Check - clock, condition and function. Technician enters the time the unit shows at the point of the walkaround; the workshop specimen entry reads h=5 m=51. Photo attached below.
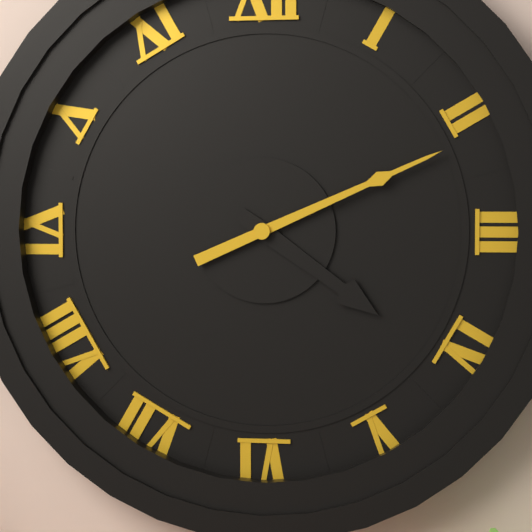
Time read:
h=4 m=11
